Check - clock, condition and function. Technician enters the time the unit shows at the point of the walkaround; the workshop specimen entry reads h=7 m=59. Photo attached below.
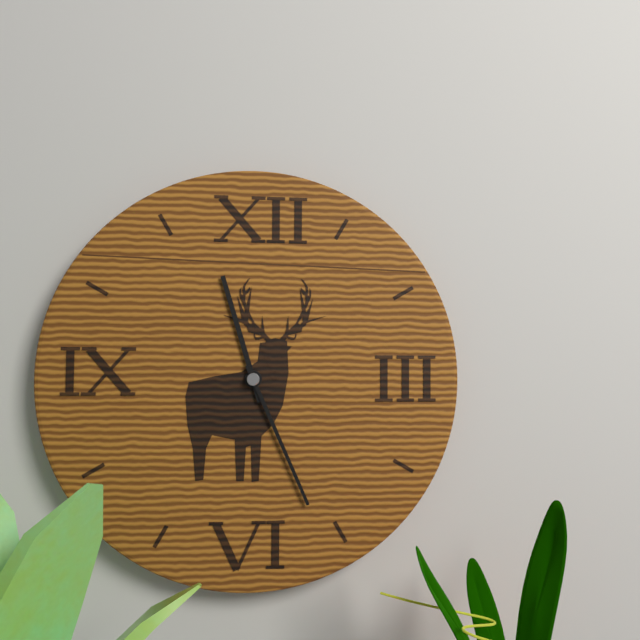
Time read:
h=11 m=26
